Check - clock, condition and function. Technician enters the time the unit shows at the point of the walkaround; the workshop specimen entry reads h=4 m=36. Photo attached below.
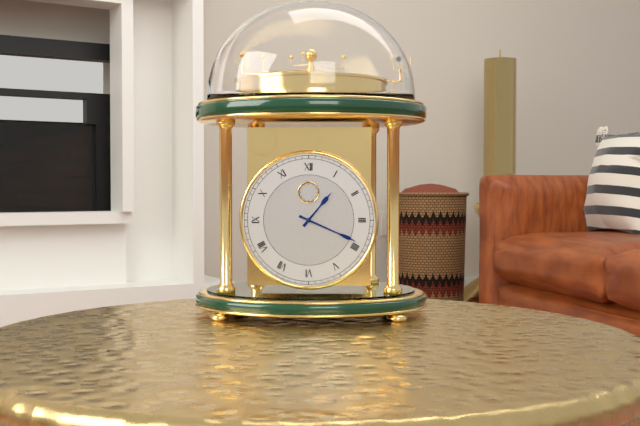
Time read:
h=1 m=19
